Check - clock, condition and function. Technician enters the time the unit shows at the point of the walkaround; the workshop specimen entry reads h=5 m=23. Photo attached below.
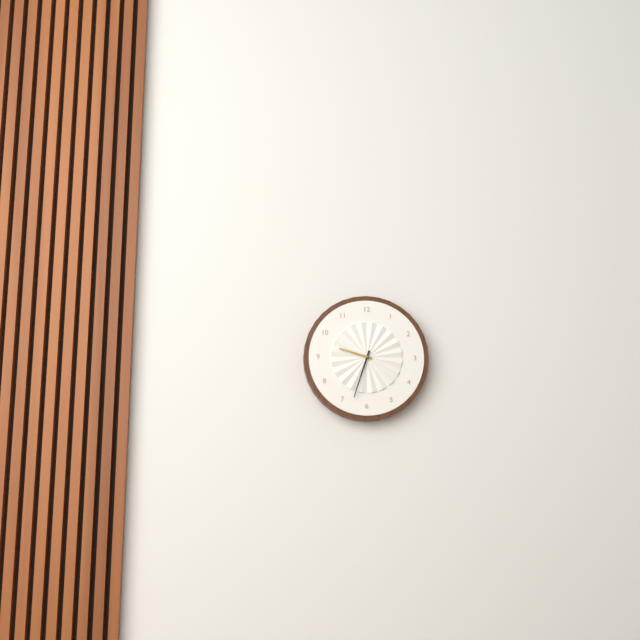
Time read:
h=9 m=33
